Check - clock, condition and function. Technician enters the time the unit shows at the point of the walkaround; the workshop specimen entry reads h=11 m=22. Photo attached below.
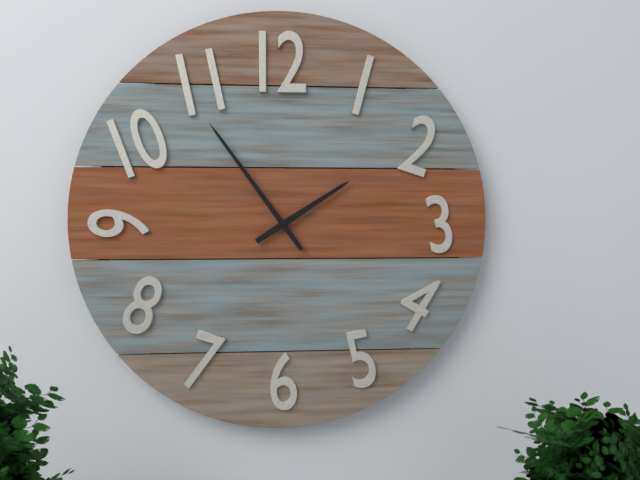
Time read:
h=1 m=54
